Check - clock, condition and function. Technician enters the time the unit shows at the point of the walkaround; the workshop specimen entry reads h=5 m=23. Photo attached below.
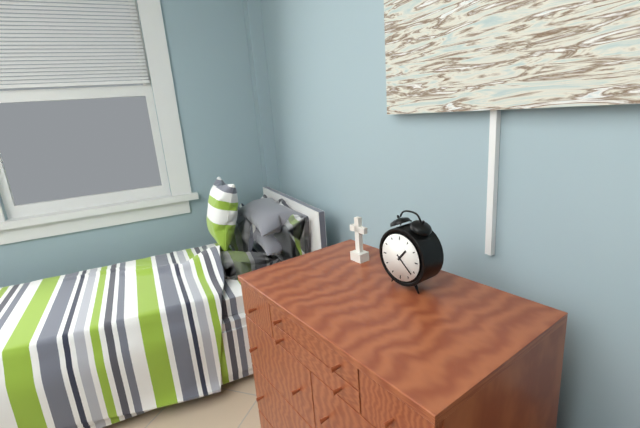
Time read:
h=1 m=22
